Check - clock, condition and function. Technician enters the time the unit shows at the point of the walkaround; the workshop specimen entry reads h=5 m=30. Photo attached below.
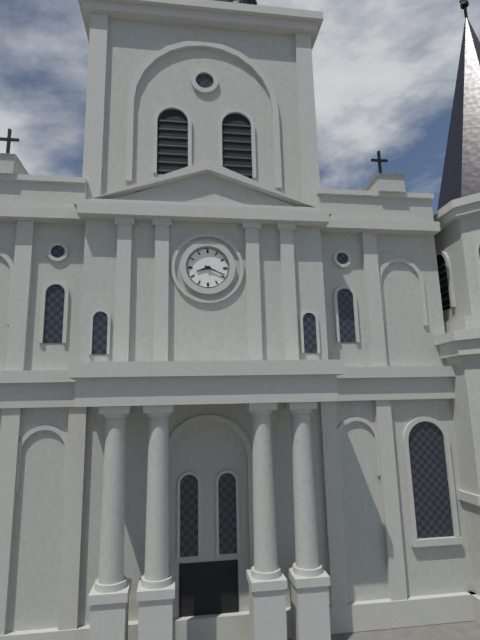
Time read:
h=8 m=19
